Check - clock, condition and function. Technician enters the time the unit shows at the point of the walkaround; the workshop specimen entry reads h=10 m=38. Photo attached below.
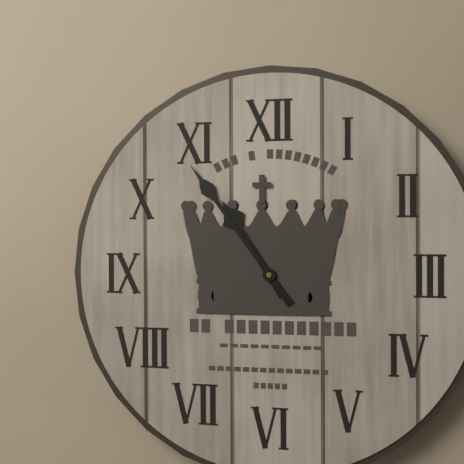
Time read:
h=10 m=54
